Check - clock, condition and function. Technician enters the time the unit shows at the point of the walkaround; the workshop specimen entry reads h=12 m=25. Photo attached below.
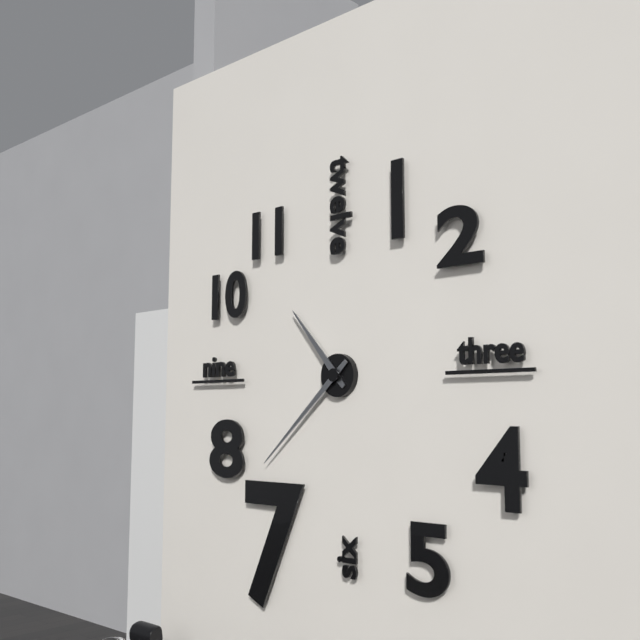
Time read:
h=10 m=38
